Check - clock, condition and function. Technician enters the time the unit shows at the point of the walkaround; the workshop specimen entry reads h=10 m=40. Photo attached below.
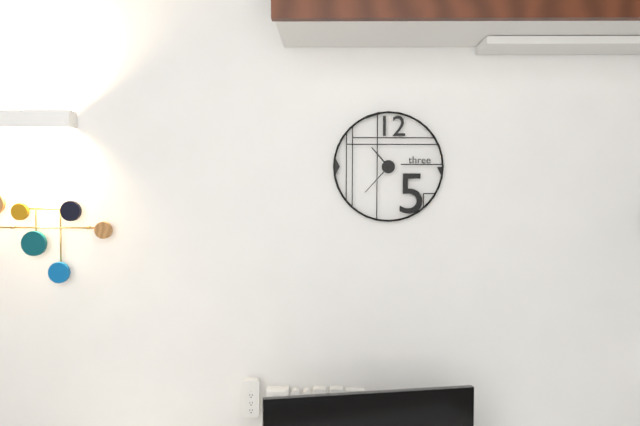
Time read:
h=10 m=37
